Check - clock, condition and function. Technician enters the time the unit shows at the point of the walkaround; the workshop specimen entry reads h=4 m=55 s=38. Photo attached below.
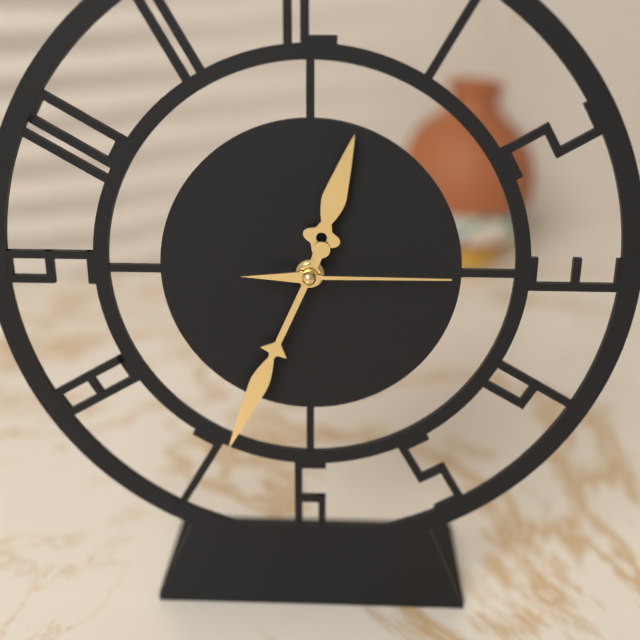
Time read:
h=12 m=34 s=15
